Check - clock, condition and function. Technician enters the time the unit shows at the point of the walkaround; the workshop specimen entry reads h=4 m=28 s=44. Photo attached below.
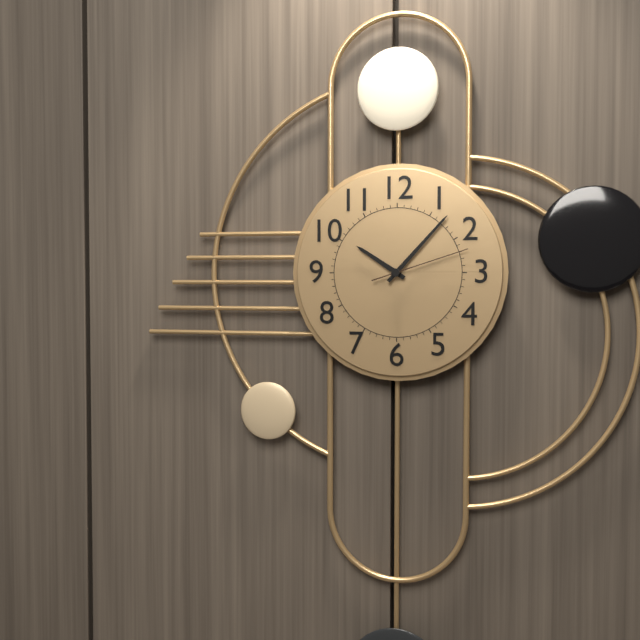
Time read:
h=10 m=7 s=12
